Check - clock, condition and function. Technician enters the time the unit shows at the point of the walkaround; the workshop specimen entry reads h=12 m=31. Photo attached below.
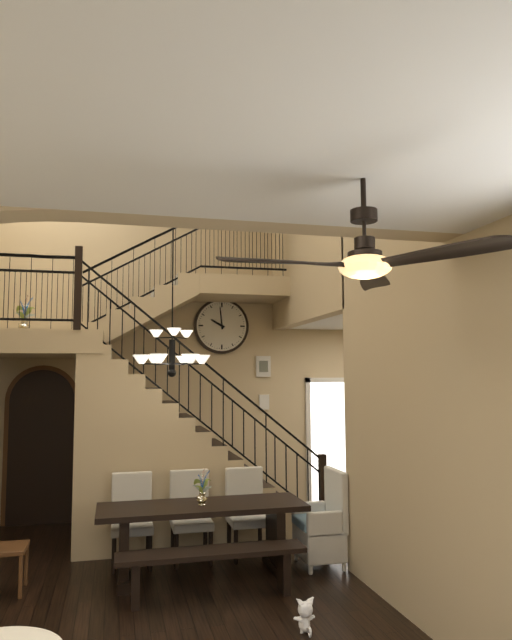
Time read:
h=9 m=59
